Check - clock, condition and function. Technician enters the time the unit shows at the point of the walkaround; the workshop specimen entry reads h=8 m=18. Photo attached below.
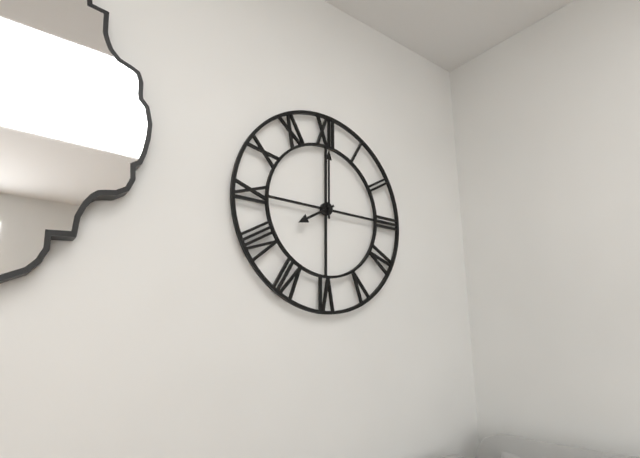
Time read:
h=8 m=0
